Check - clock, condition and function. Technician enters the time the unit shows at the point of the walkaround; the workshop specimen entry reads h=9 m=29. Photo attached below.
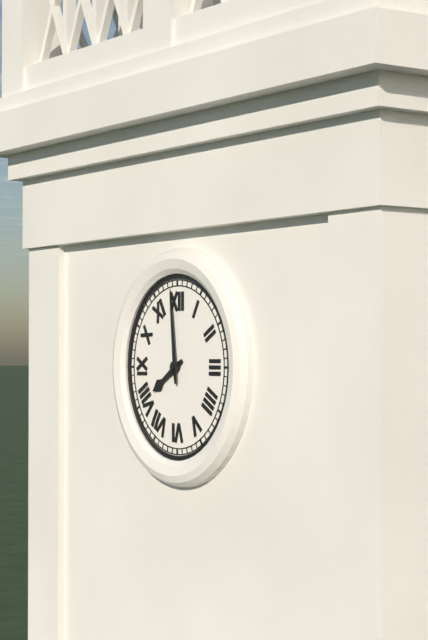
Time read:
h=7 m=59
